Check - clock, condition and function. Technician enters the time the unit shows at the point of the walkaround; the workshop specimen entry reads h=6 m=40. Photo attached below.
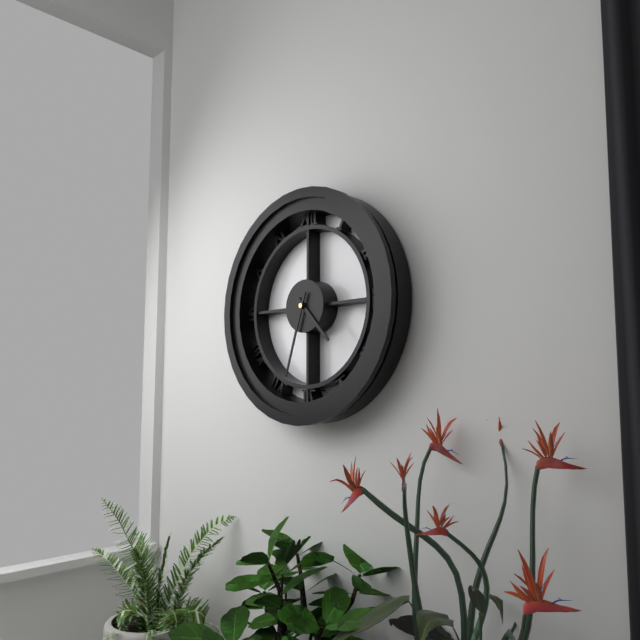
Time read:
h=4 m=33
